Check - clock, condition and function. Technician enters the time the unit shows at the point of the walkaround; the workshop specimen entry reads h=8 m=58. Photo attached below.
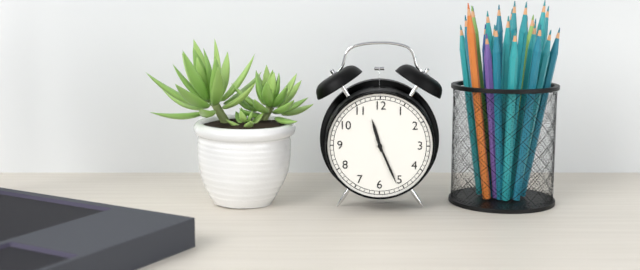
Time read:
h=11 m=26
